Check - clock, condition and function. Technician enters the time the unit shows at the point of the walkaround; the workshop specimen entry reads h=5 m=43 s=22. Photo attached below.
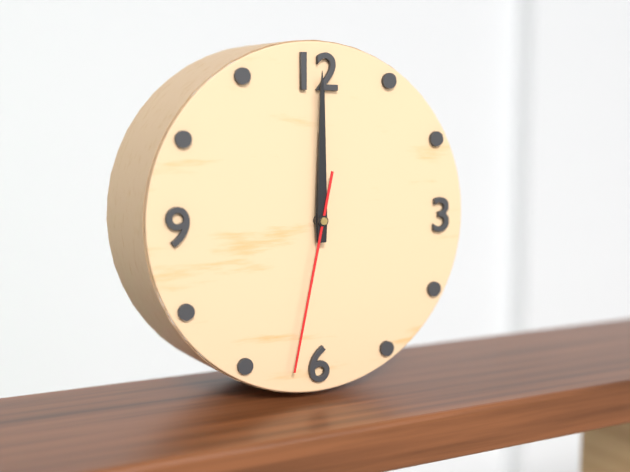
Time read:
h=12 m=0 s=32
